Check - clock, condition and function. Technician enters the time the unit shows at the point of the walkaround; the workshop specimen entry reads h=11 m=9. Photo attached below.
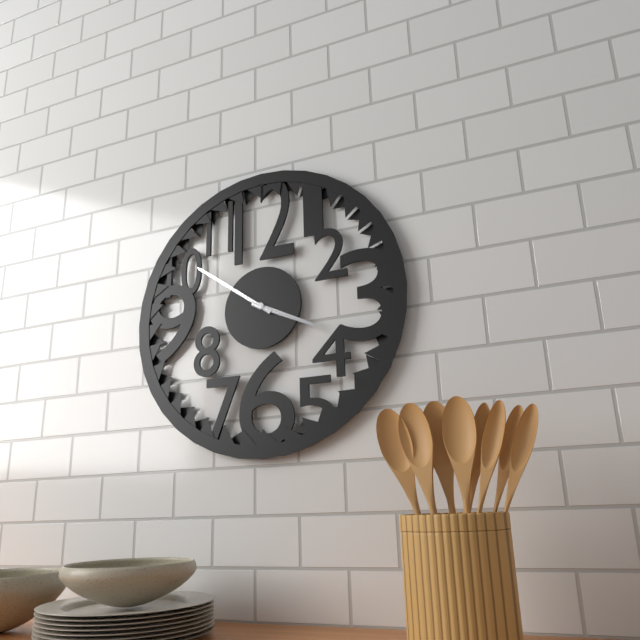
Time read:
h=3 m=51
